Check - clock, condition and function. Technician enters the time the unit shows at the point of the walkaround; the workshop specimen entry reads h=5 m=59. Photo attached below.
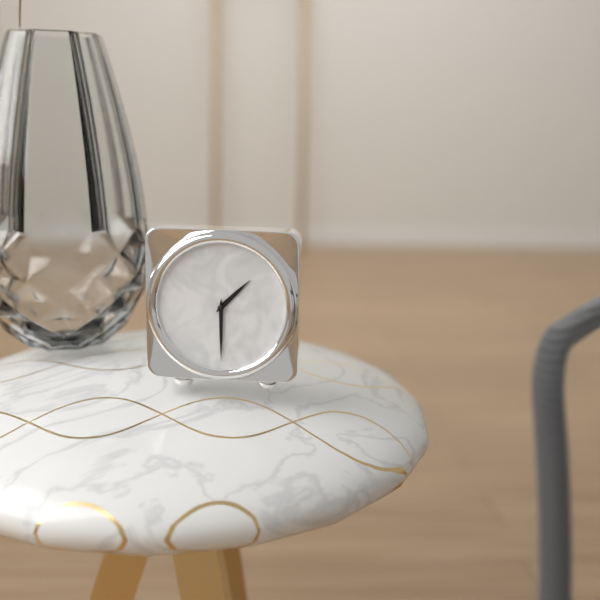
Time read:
h=1 m=30
